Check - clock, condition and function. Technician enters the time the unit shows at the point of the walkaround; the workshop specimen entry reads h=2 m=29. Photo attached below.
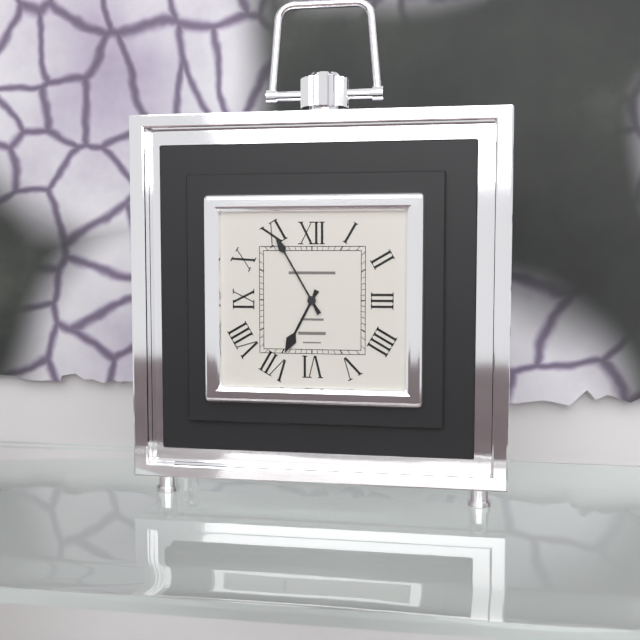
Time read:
h=6 m=55
